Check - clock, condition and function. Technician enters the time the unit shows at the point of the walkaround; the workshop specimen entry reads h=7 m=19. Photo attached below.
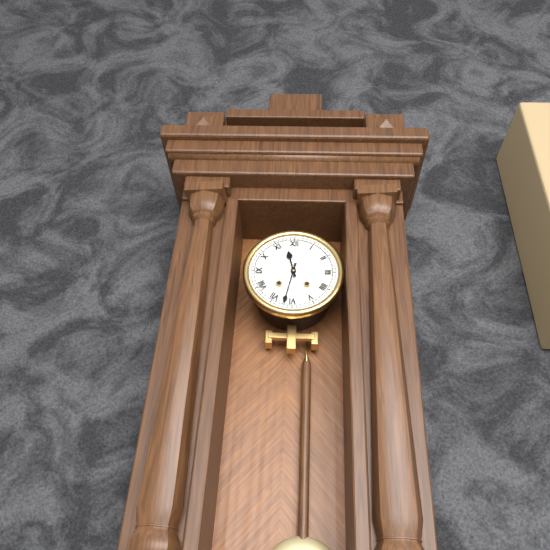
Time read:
h=11 m=32
